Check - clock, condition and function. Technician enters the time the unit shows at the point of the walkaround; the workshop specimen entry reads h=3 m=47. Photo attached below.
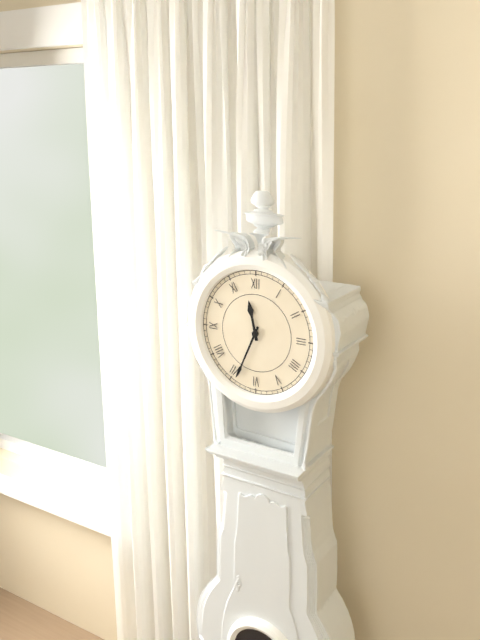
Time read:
h=11 m=34
